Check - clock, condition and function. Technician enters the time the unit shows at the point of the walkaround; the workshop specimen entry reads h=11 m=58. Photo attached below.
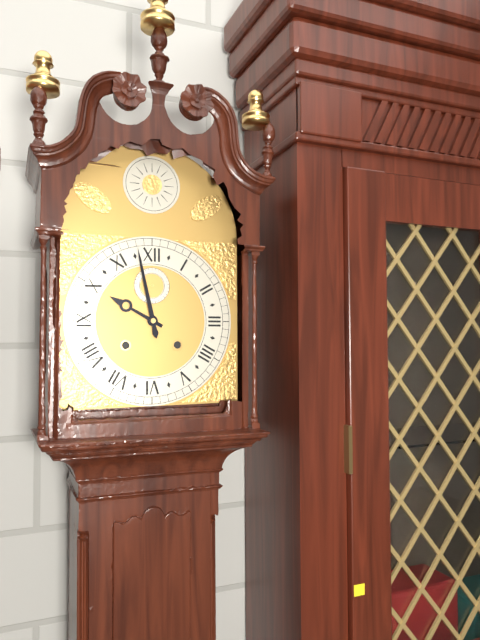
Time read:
h=9 m=58
